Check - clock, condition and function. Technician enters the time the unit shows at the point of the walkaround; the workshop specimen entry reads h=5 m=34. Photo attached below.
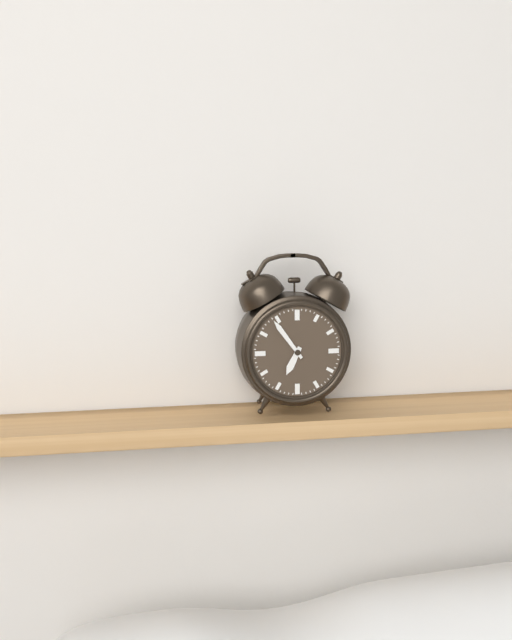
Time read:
h=6 m=54
